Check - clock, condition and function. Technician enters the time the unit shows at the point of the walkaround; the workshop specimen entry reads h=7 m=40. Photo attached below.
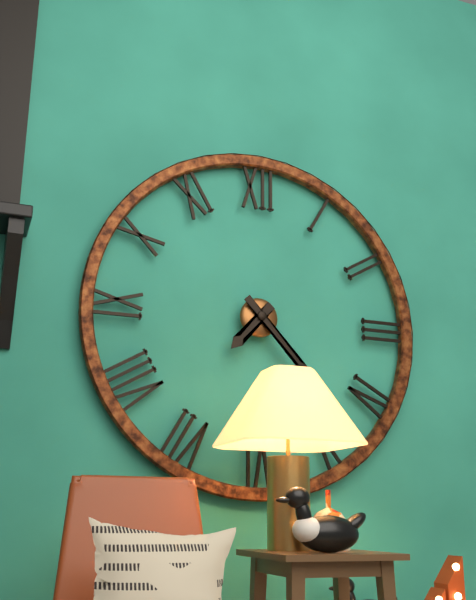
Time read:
h=7 m=23
